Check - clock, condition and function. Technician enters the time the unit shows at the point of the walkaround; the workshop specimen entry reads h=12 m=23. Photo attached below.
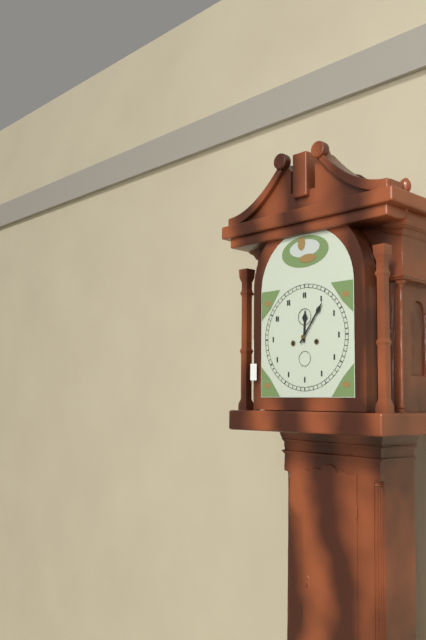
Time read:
h=12 m=6
